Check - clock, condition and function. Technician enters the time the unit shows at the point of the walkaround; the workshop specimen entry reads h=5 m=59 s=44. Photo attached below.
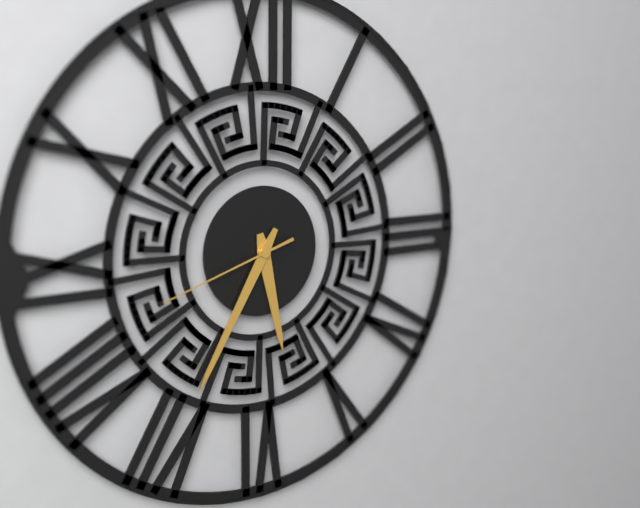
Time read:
h=5 m=35 s=42
